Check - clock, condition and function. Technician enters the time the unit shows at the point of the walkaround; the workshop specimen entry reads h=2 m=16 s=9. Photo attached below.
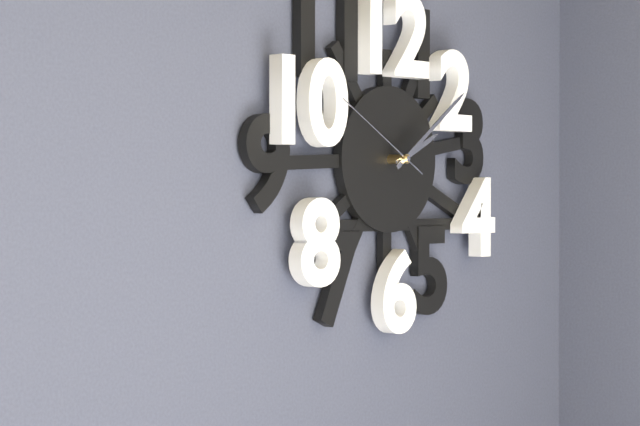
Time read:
h=2 m=9 s=50
